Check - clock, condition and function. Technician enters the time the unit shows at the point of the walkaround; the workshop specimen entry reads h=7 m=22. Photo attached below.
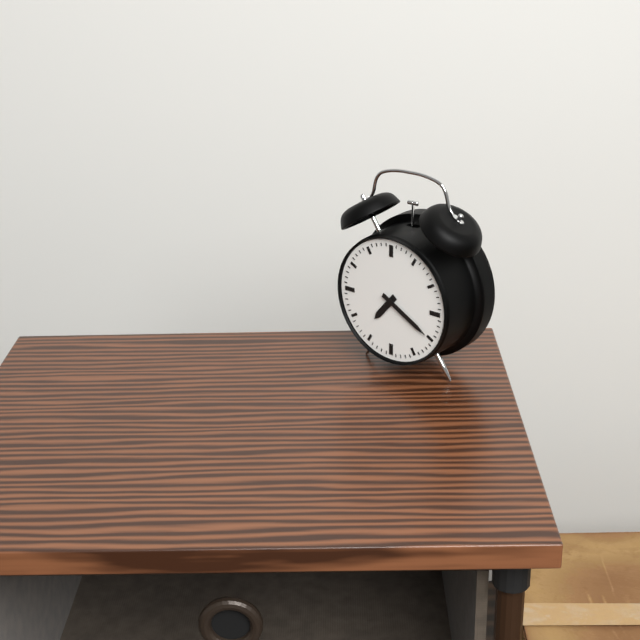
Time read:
h=7 m=20
